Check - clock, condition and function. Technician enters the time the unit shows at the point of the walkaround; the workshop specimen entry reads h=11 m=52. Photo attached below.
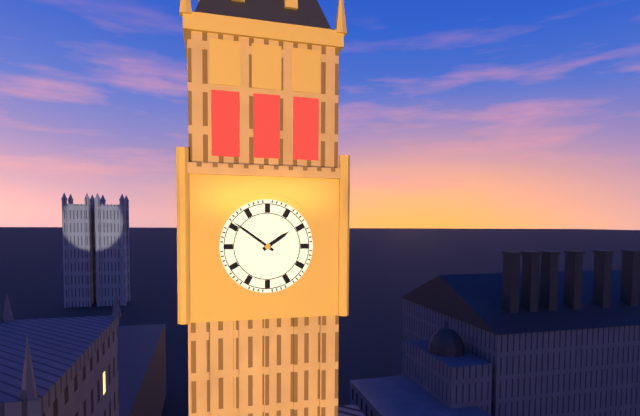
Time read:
h=1 m=51
